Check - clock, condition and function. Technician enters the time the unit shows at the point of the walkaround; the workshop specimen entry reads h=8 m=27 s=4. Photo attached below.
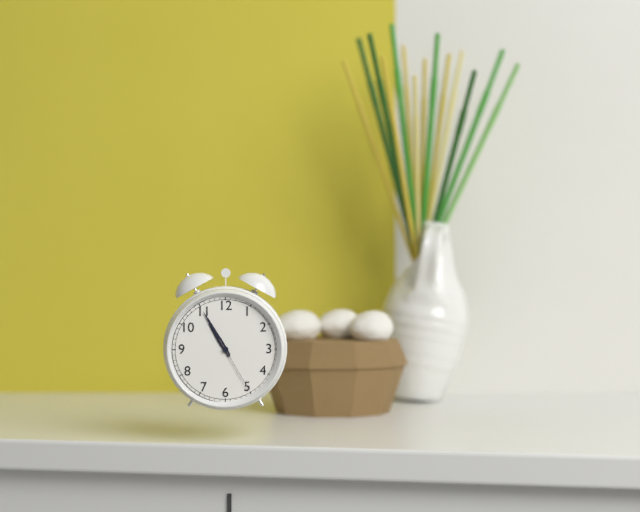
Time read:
h=10 m=55 s=25
